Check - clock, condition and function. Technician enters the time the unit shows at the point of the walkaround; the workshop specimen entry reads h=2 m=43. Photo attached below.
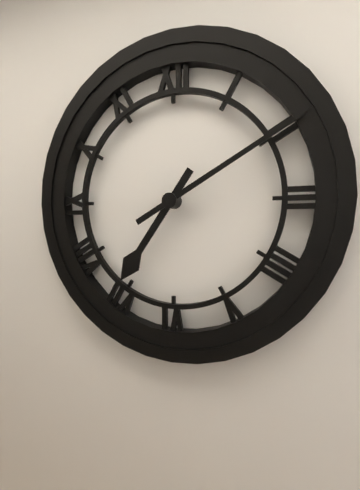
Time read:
h=7 m=10
